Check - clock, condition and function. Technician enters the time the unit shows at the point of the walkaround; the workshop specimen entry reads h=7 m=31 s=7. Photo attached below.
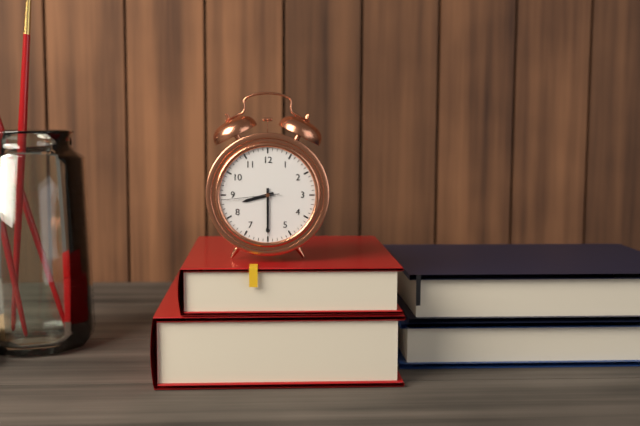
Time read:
h=8 m=30 s=44
